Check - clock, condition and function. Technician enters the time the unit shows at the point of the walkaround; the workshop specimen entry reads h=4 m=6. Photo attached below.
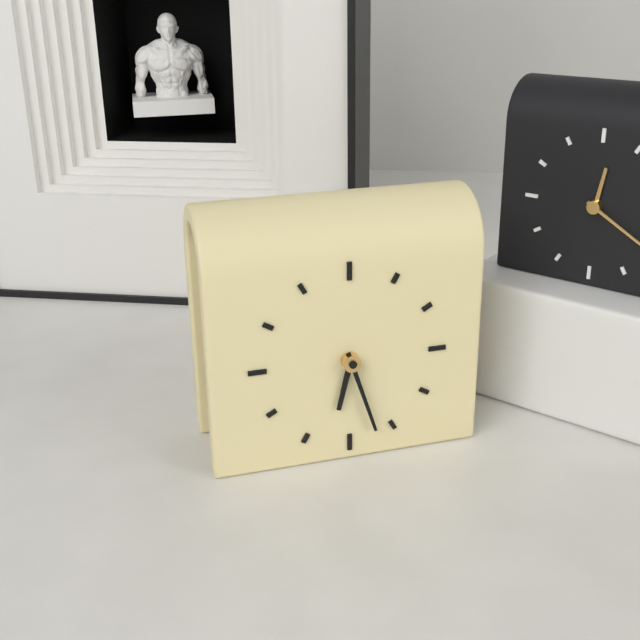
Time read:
h=6 m=27
